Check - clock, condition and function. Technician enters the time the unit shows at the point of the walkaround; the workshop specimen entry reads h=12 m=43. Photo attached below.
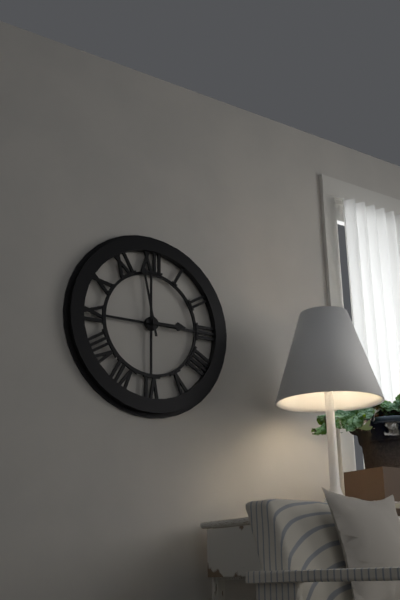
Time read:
h=2 m=58
